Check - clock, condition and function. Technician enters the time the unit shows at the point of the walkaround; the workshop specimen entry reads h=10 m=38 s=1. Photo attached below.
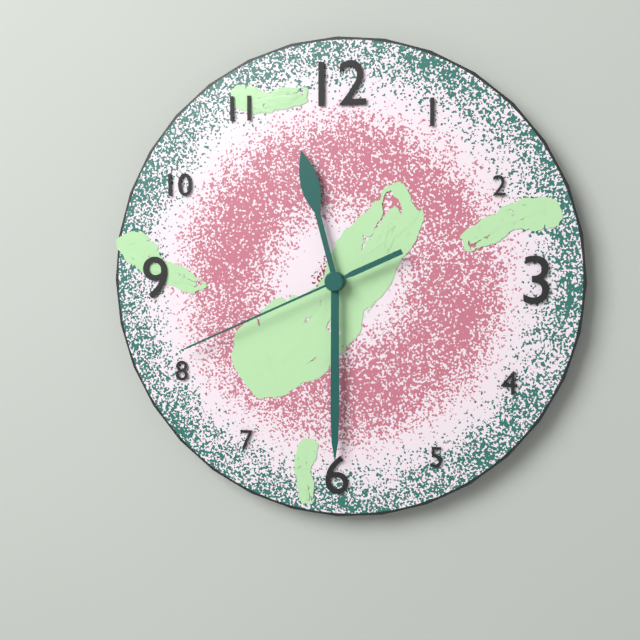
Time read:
h=11 m=30 s=41
